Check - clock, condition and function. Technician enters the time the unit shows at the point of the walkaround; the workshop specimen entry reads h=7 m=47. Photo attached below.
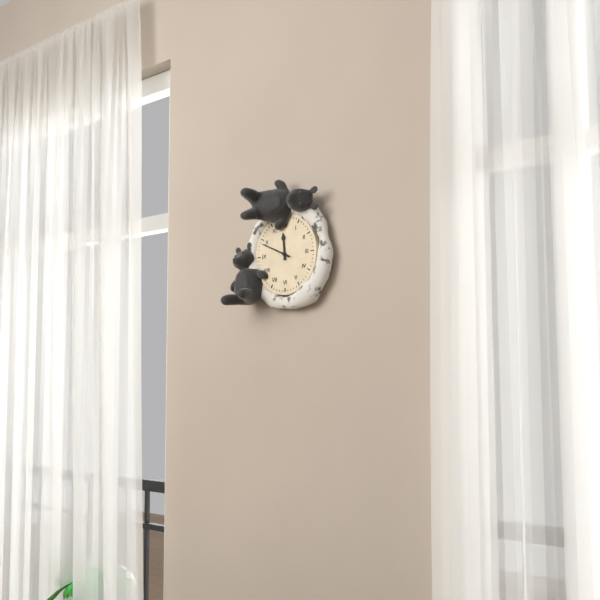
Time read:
h=11 m=49
